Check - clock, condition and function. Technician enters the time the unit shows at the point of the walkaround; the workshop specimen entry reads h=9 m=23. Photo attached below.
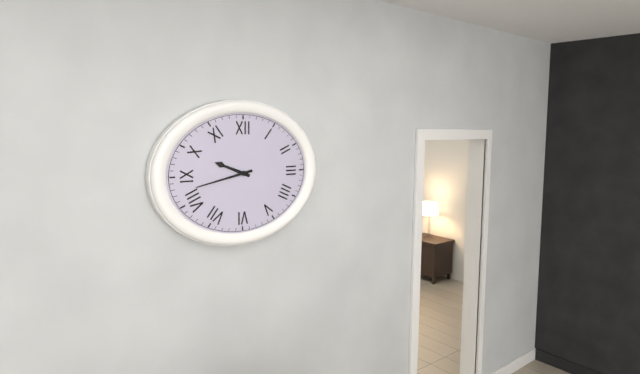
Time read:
h=9 m=43
